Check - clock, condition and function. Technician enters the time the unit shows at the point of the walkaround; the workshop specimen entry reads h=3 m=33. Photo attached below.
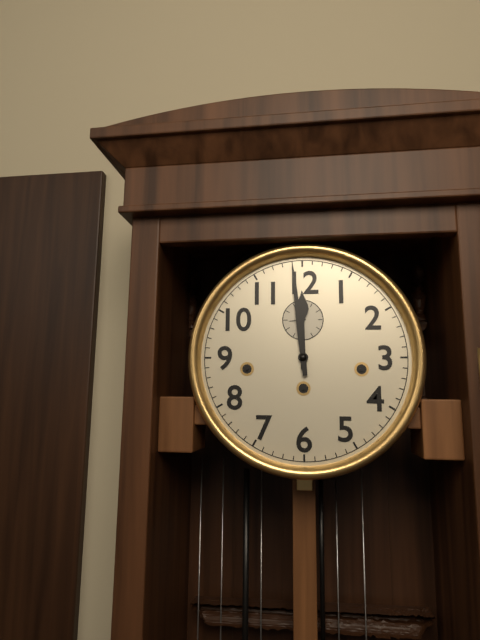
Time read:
h=11 m=59
